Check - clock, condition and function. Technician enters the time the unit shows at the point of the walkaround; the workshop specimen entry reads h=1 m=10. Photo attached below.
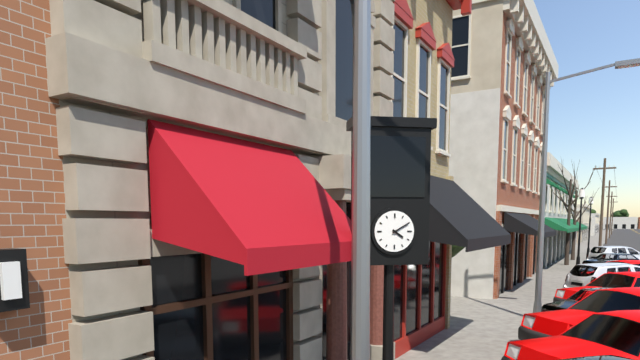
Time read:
h=4 m=10
